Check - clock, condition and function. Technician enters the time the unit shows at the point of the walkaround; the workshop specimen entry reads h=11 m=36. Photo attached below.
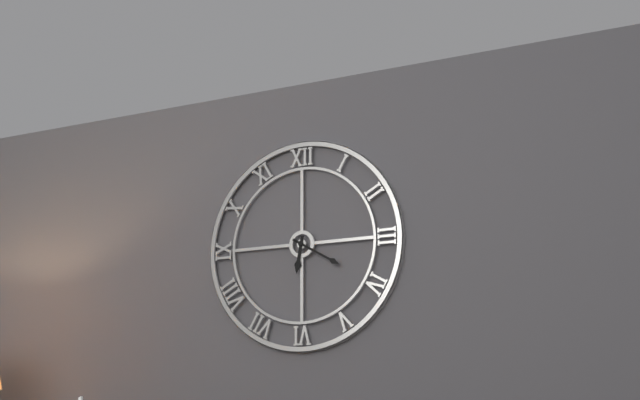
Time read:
h=6 m=20
